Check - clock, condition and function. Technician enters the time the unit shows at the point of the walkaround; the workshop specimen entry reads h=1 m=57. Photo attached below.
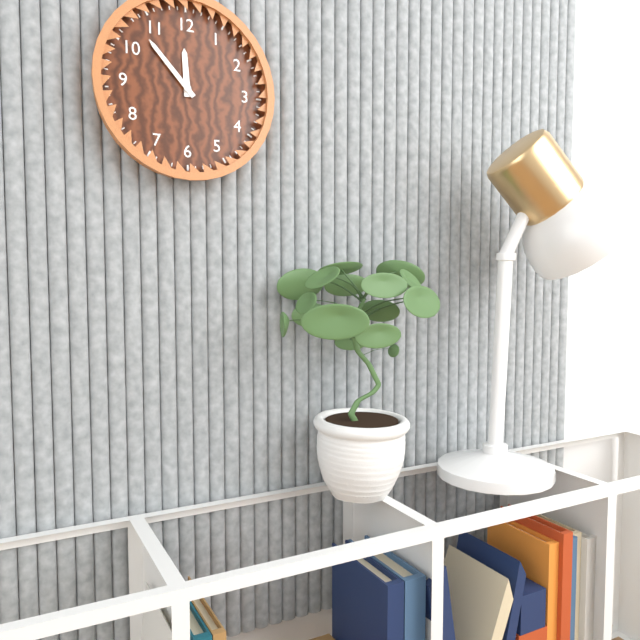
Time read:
h=11 m=53
